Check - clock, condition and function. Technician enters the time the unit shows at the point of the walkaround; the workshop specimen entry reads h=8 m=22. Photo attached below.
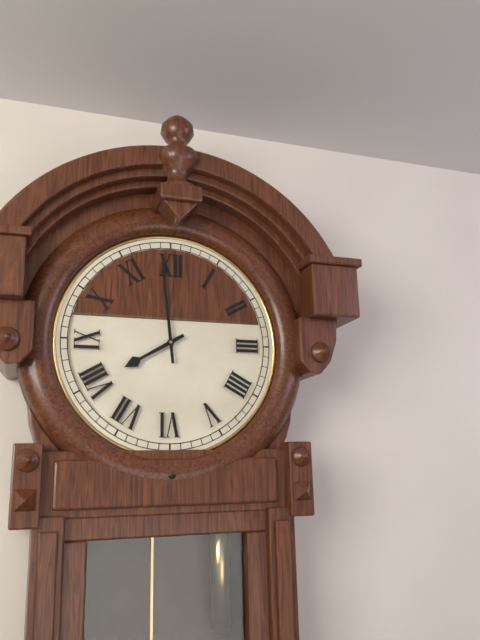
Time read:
h=7 m=59
